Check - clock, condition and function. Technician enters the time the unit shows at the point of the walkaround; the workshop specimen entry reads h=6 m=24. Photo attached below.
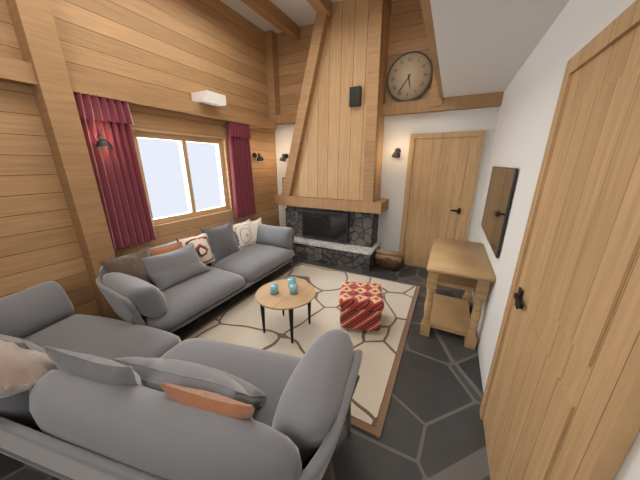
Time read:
h=5 m=36
